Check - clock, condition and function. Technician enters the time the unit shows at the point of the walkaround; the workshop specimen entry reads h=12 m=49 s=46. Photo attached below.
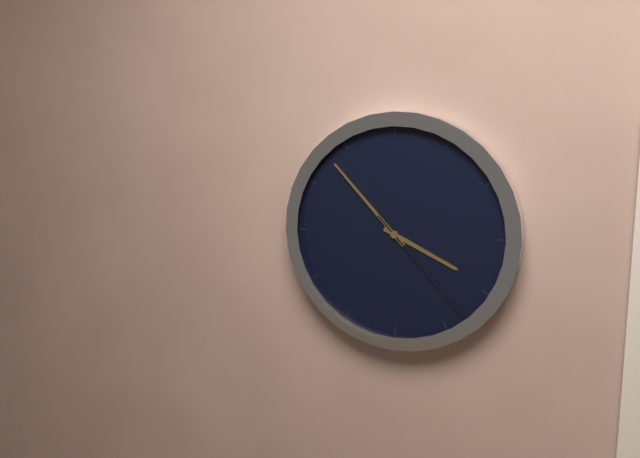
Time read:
h=3 m=53 s=23
